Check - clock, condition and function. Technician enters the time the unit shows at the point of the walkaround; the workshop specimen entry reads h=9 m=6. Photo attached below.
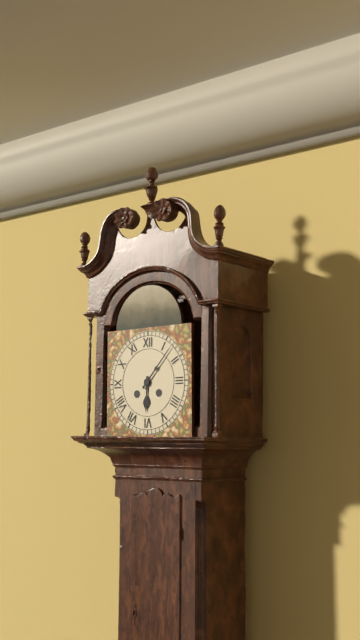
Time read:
h=6 m=7
